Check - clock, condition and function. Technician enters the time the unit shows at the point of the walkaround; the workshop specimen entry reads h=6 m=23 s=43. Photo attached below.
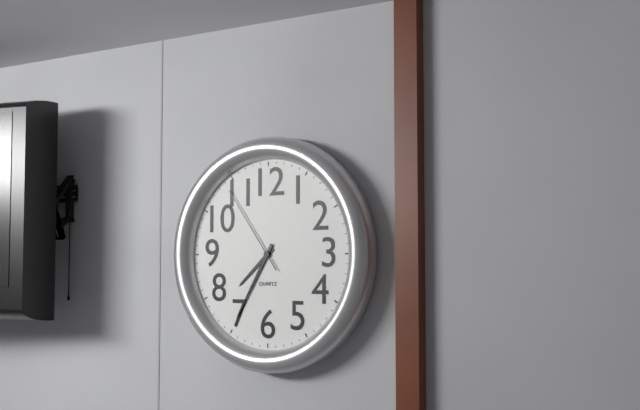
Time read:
h=7 m=35 s=54
